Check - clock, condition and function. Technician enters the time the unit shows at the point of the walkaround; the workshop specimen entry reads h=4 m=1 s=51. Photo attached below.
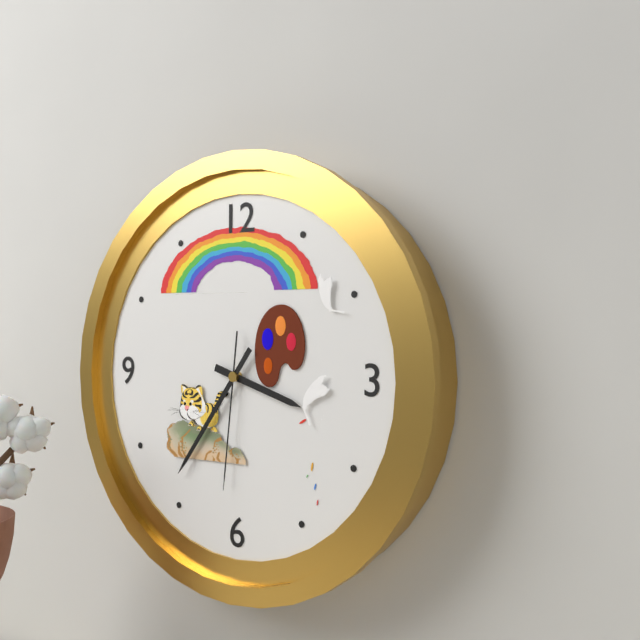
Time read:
h=3 m=36 s=31
